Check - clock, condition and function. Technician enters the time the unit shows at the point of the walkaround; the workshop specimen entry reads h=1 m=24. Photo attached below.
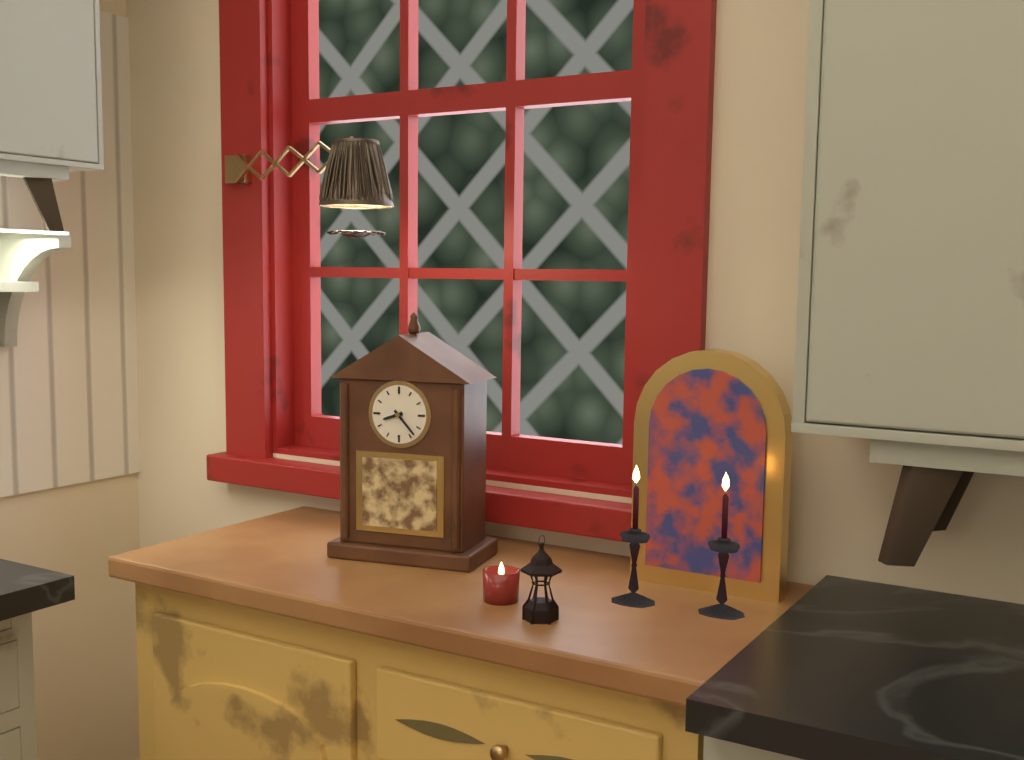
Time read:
h=8 m=23
